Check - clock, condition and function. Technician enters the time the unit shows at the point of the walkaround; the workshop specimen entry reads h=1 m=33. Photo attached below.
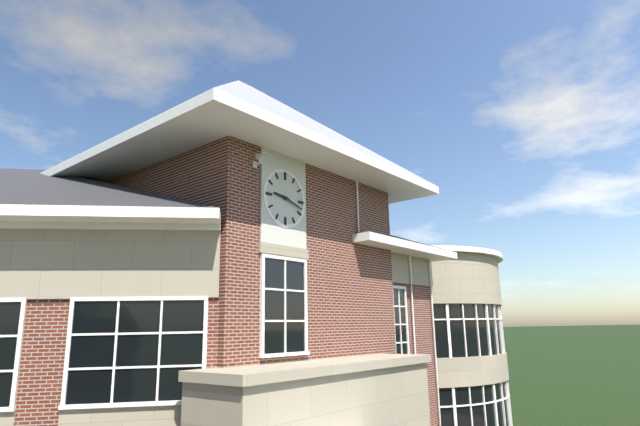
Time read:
h=9 m=18
